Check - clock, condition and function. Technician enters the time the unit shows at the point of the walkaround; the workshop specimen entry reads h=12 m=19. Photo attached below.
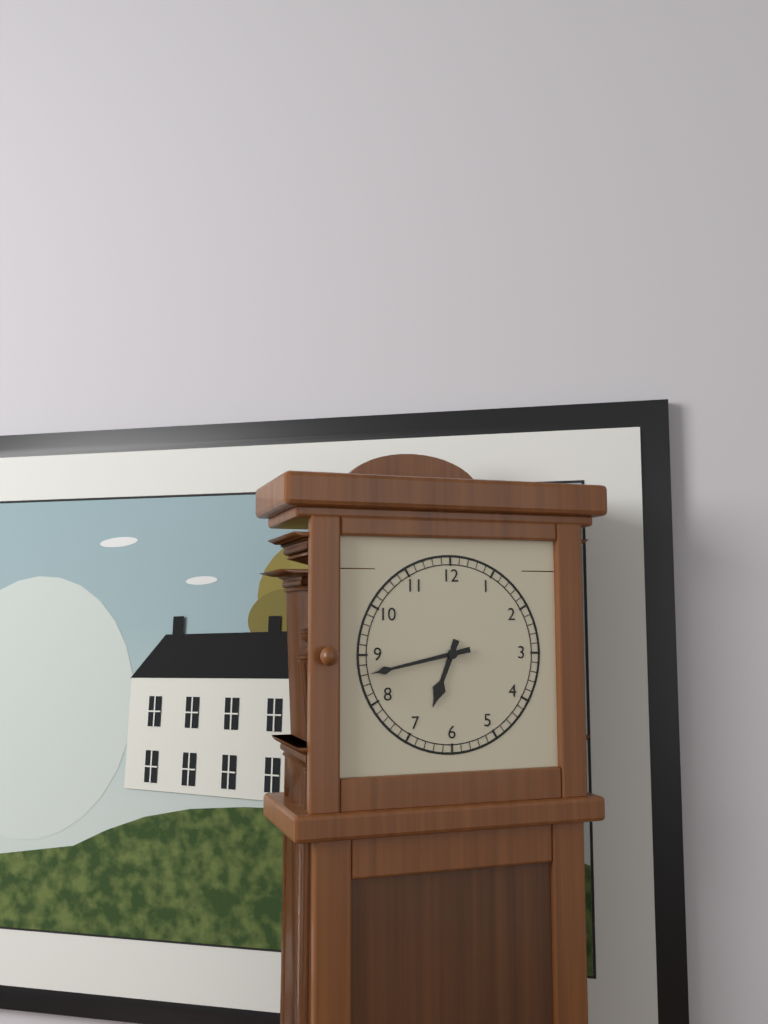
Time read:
h=6 m=43
